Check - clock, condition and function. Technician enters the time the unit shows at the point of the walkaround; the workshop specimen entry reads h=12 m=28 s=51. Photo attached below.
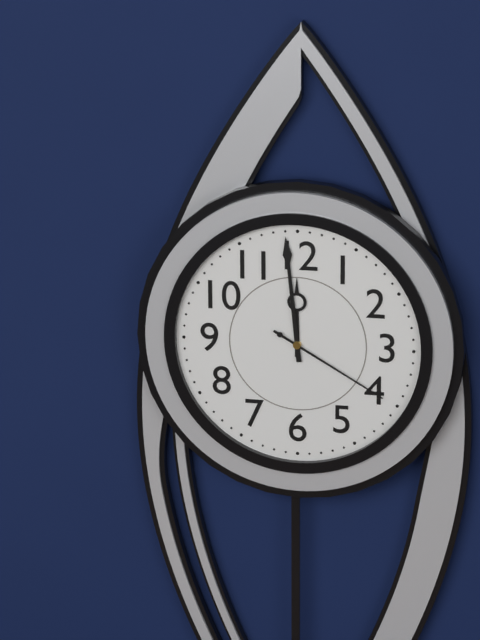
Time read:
h=11 m=59 s=20
